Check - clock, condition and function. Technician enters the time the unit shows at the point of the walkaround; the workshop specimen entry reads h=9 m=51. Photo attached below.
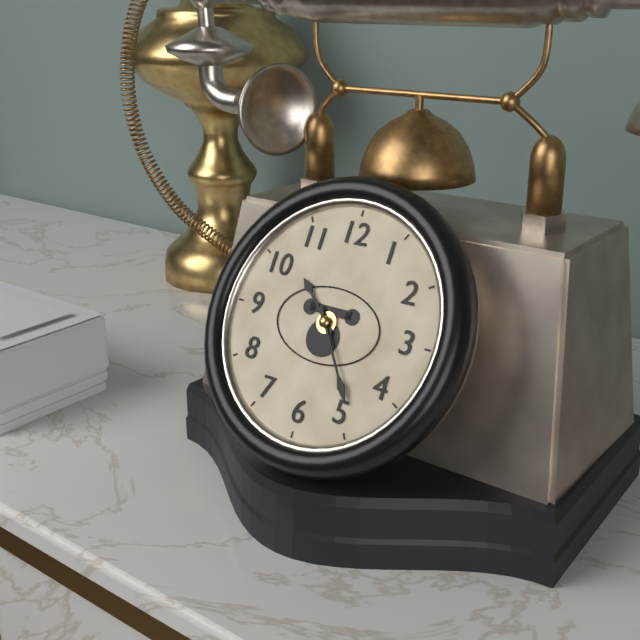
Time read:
h=10 m=24
